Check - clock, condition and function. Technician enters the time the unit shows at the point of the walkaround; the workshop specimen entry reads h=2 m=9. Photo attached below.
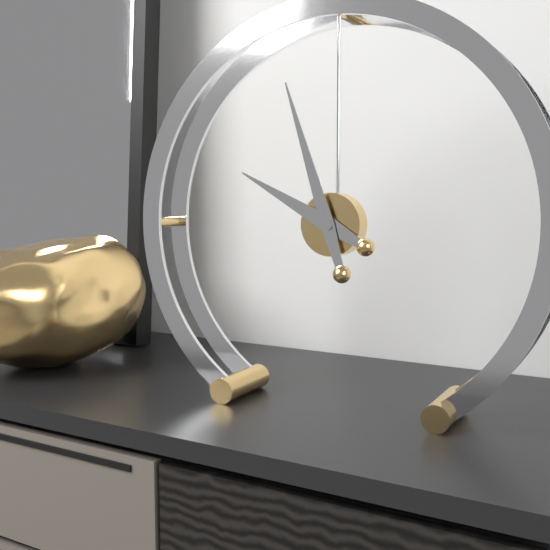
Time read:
h=9 m=57
